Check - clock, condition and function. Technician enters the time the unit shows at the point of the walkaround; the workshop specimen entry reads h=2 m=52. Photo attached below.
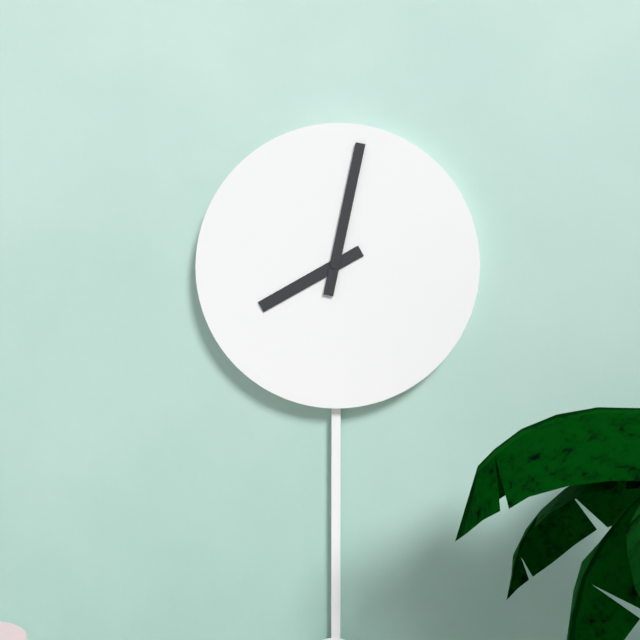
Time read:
h=8 m=2
